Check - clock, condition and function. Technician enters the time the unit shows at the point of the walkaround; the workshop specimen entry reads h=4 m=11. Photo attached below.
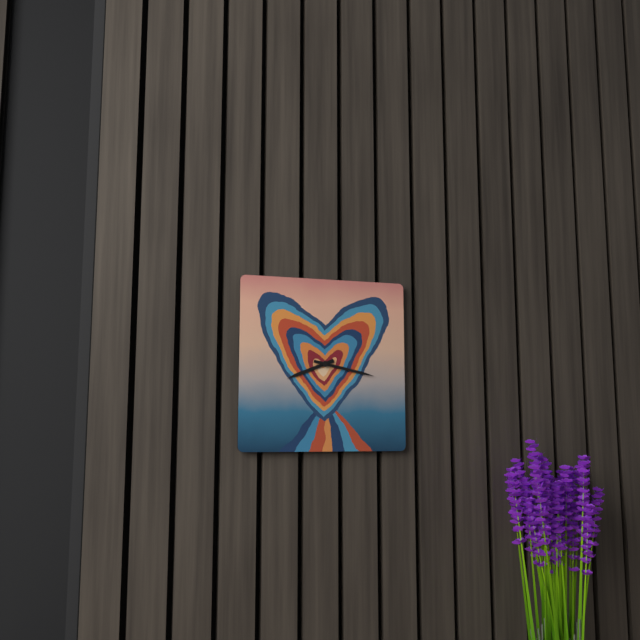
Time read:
h=8 m=17
